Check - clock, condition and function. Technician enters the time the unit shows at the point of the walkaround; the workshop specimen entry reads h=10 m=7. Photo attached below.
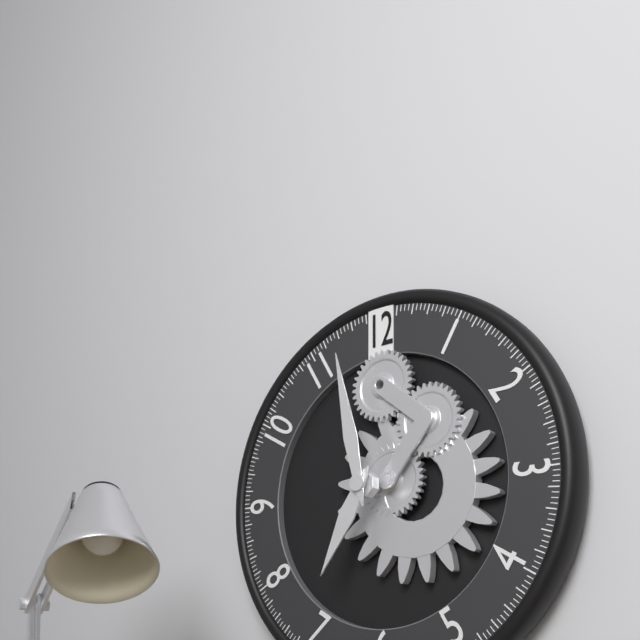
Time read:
h=6 m=58
